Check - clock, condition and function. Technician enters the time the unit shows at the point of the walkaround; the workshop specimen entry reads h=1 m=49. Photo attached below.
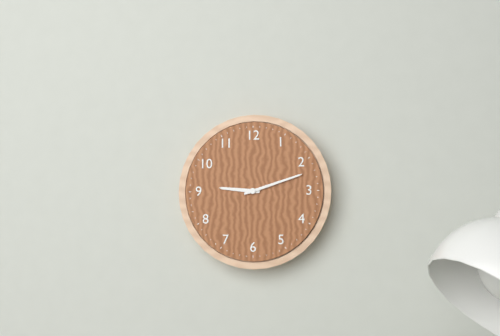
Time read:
h=9 m=12
